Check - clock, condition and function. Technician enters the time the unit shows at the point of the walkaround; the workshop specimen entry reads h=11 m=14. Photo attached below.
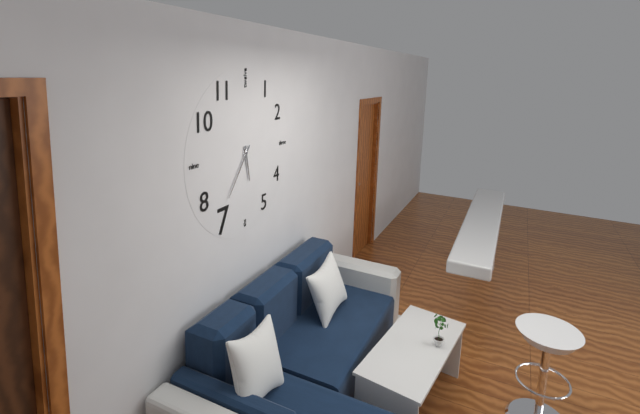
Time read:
h=5 m=36
